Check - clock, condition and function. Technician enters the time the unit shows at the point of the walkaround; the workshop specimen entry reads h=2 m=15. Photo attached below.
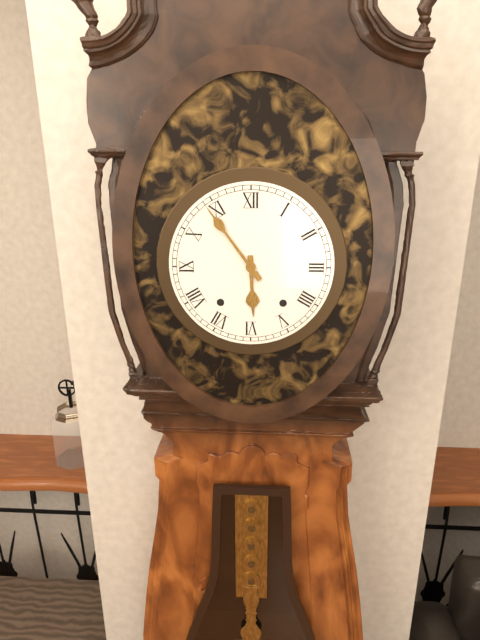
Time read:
h=5 m=54
